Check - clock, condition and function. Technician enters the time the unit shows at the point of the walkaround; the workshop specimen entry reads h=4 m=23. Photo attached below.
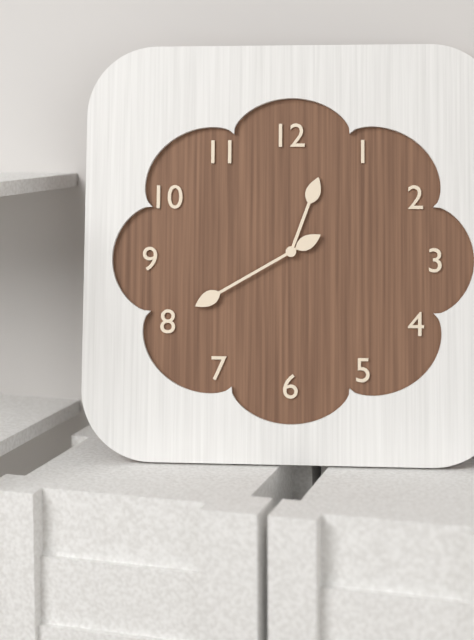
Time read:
h=12 m=40
